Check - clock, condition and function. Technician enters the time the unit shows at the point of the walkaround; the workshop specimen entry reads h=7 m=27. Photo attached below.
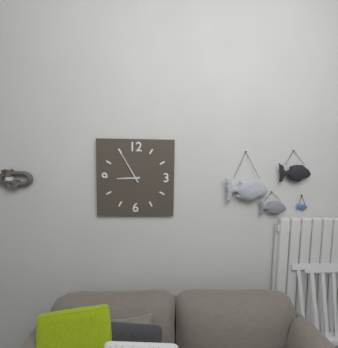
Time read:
h=8 m=55
